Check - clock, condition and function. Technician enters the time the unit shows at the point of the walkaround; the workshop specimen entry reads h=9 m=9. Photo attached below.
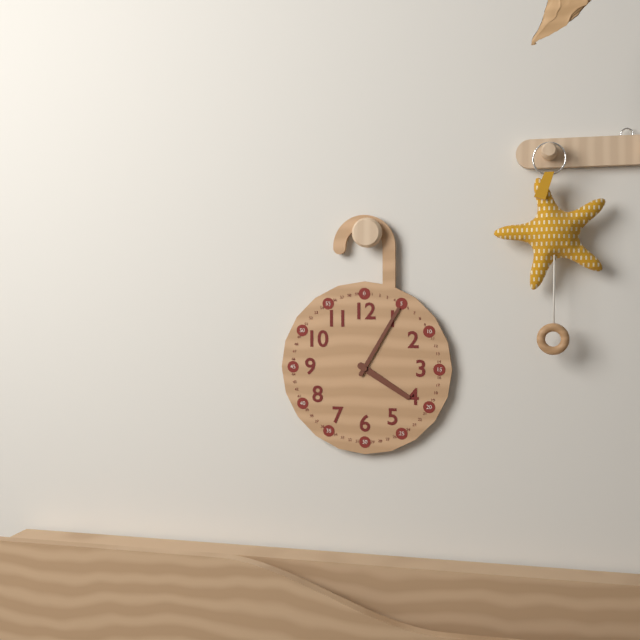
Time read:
h=4 m=5
